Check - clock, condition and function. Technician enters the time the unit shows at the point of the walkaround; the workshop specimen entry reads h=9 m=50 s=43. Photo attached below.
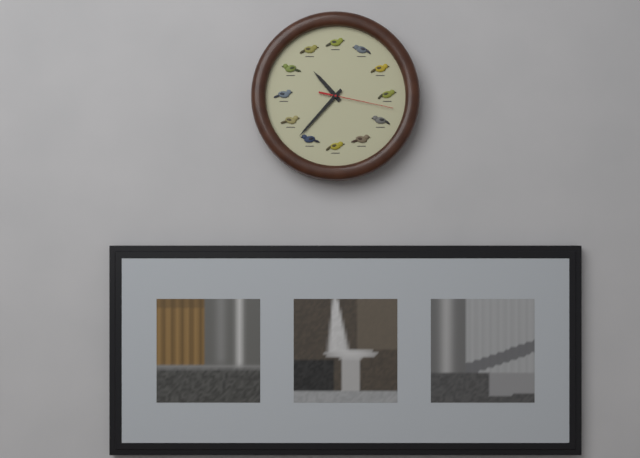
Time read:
h=10 m=37 s=17
